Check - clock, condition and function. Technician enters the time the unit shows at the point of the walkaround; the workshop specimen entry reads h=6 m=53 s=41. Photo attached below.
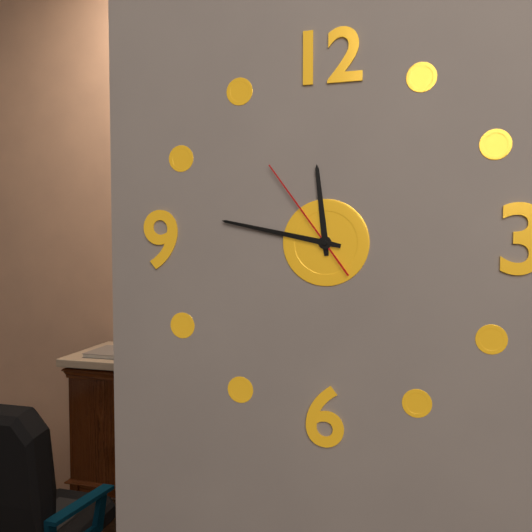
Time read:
h=11 m=47 s=54
